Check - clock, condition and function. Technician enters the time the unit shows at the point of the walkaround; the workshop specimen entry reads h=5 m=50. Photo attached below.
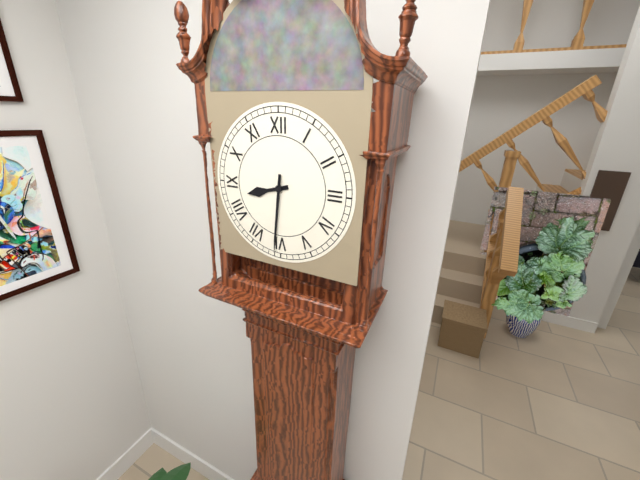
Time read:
h=8 m=31
